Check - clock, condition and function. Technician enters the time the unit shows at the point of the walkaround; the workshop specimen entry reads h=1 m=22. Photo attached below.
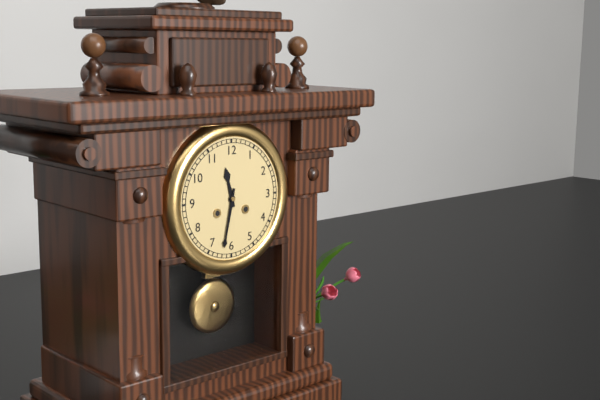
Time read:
h=11 m=32
